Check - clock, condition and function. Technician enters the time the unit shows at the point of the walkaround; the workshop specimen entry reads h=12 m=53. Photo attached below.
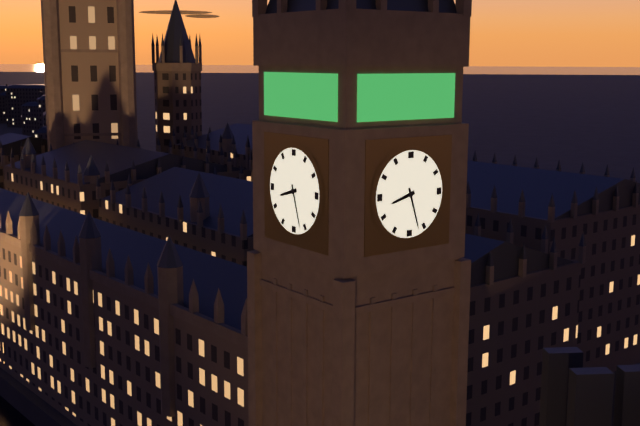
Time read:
h=8 m=27
